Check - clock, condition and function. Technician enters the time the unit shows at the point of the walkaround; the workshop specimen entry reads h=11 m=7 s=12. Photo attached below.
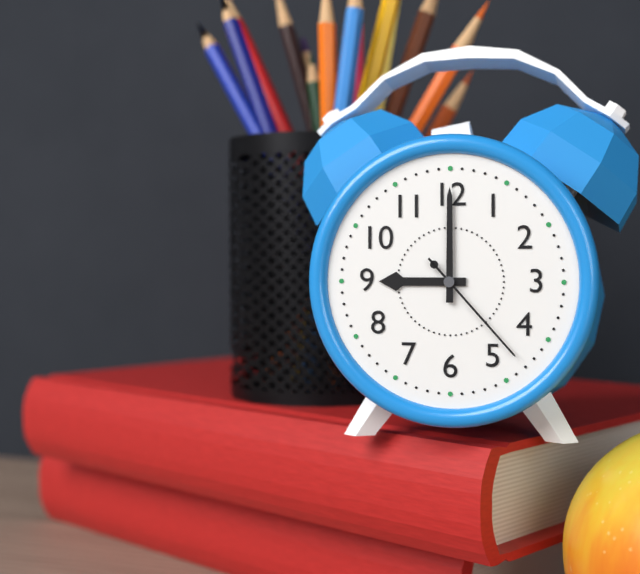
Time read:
h=9 m=0 s=23
